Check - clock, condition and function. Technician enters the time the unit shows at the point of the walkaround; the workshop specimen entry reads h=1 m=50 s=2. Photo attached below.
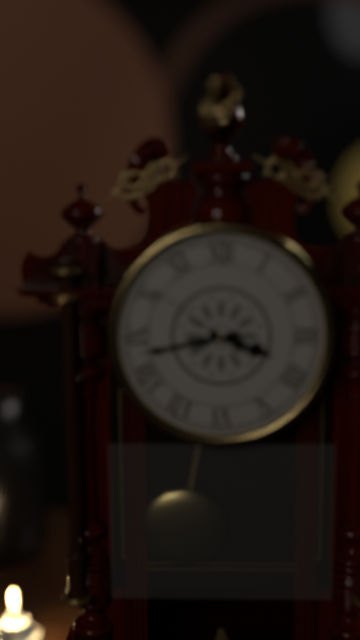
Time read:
h=3 m=43 s=51
